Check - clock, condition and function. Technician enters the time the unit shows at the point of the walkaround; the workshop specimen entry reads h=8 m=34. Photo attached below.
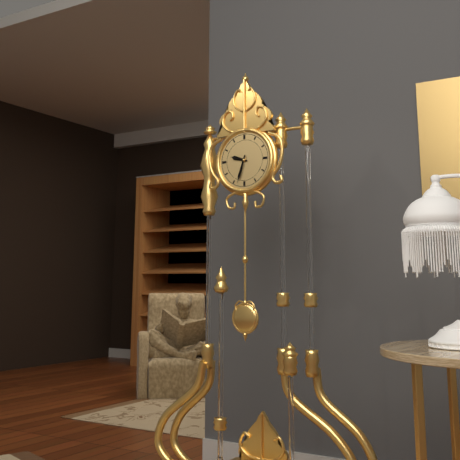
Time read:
h=9 m=33
